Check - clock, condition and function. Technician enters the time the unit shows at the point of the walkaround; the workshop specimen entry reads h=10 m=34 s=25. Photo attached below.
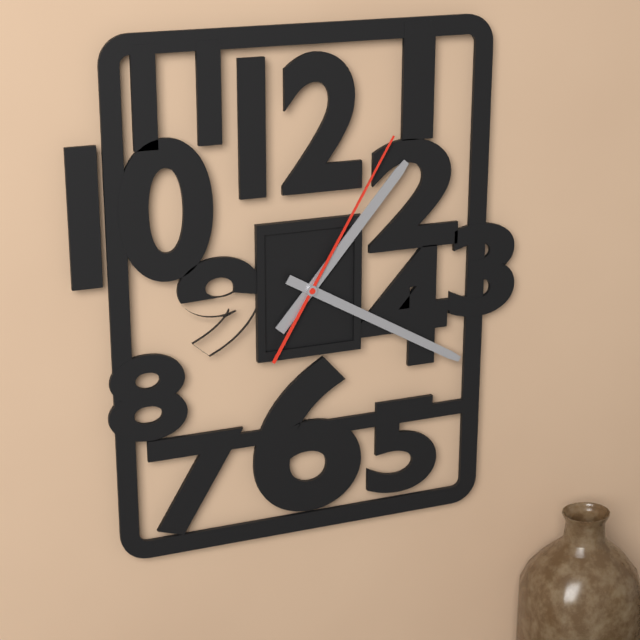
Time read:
h=1 m=20 s=5
